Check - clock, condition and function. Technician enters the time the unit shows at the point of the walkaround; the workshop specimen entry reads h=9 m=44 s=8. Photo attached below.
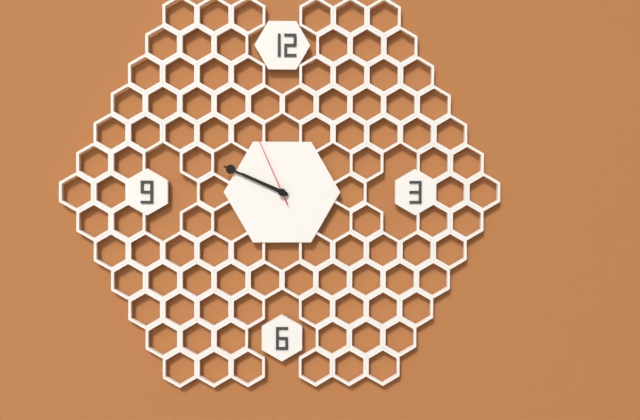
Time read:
h=9 m=49 s=56
